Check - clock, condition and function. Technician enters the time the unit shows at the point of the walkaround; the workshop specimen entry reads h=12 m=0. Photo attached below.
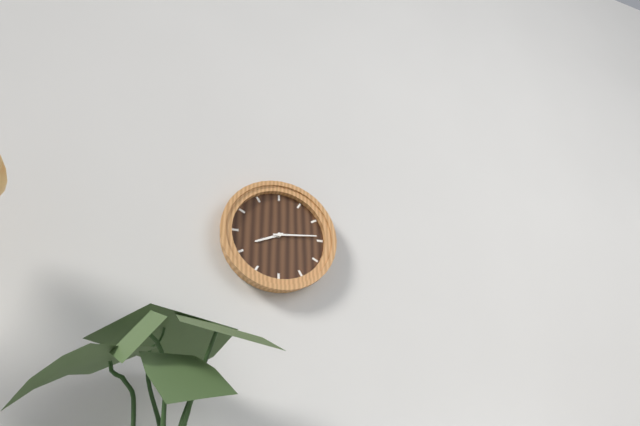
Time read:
h=8 m=14
